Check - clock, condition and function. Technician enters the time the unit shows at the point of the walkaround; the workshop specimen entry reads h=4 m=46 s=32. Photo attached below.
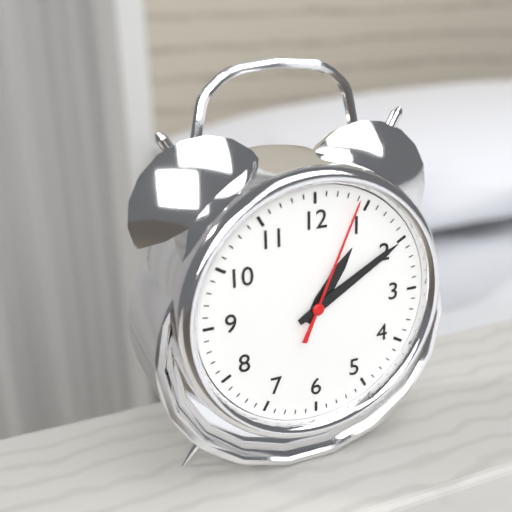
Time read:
h=1 m=10 s=4
